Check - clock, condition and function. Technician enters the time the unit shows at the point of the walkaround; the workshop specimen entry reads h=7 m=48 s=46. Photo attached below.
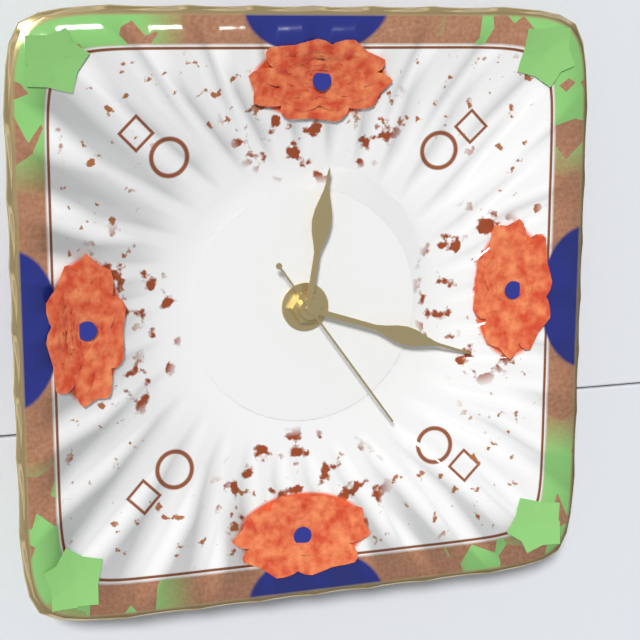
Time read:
h=12 m=18 s=24
